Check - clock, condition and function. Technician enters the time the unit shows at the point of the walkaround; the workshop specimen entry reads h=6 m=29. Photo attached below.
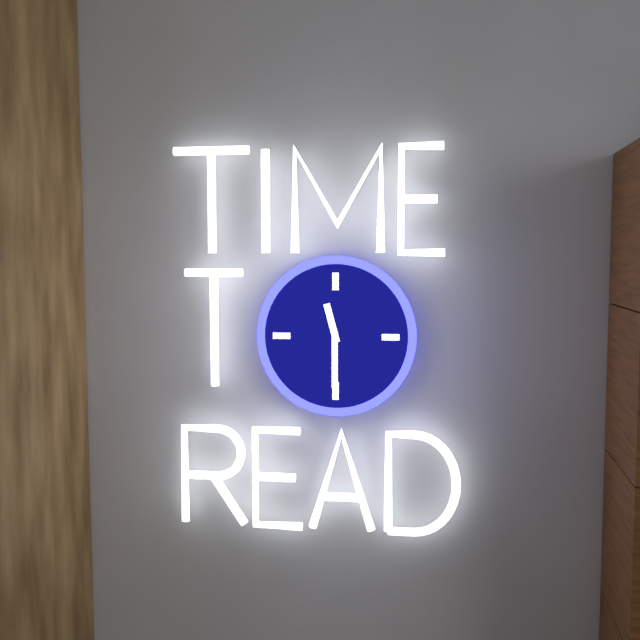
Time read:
h=11 m=30
